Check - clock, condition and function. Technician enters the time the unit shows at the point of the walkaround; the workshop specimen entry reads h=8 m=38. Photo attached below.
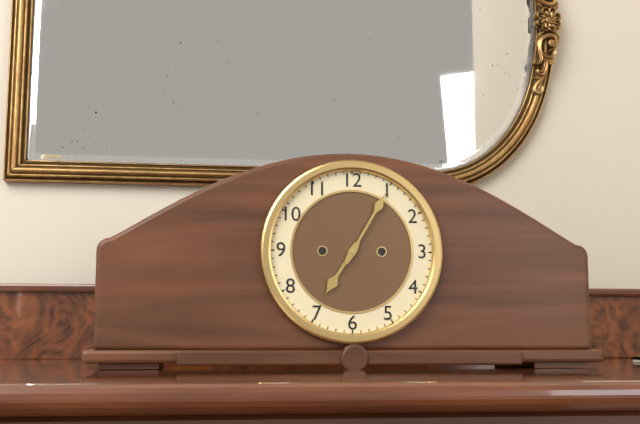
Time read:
h=7 m=5
